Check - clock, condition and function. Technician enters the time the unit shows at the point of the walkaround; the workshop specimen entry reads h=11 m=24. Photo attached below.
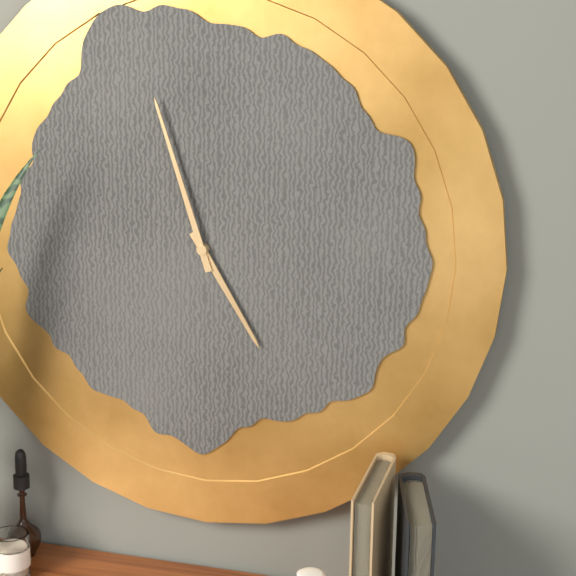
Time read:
h=4 m=57
